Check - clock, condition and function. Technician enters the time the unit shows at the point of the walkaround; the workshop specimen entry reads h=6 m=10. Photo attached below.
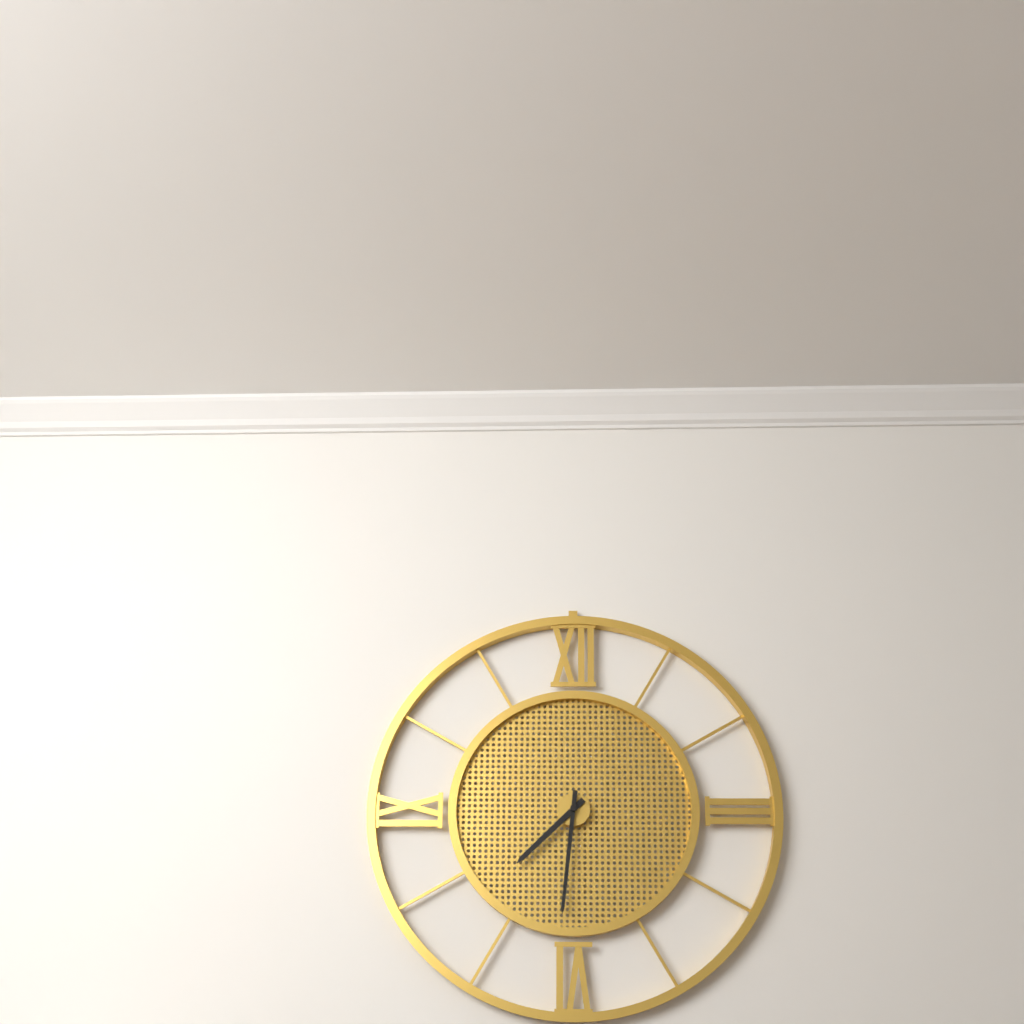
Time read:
h=7 m=31
